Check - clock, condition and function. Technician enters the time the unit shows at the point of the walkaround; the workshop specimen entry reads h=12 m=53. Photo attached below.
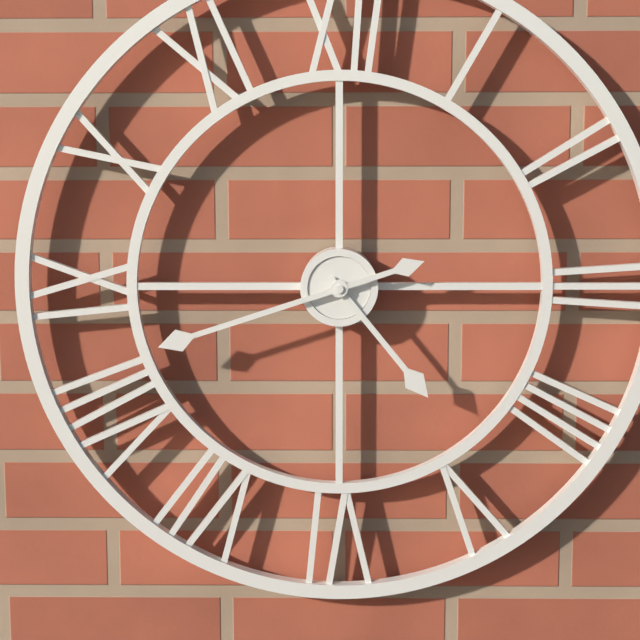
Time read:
h=4 m=42
